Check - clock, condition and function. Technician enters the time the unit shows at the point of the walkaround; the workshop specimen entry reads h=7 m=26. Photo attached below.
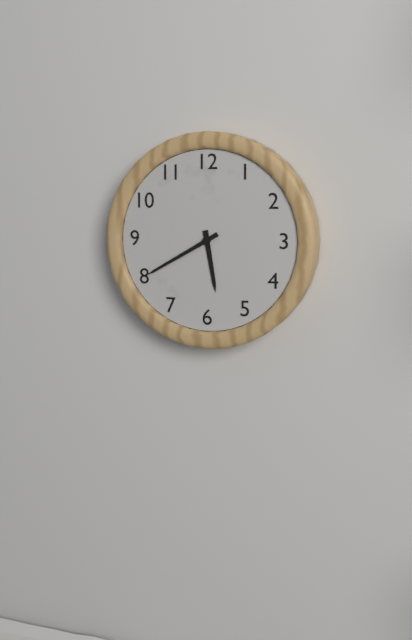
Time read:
h=5 m=40
